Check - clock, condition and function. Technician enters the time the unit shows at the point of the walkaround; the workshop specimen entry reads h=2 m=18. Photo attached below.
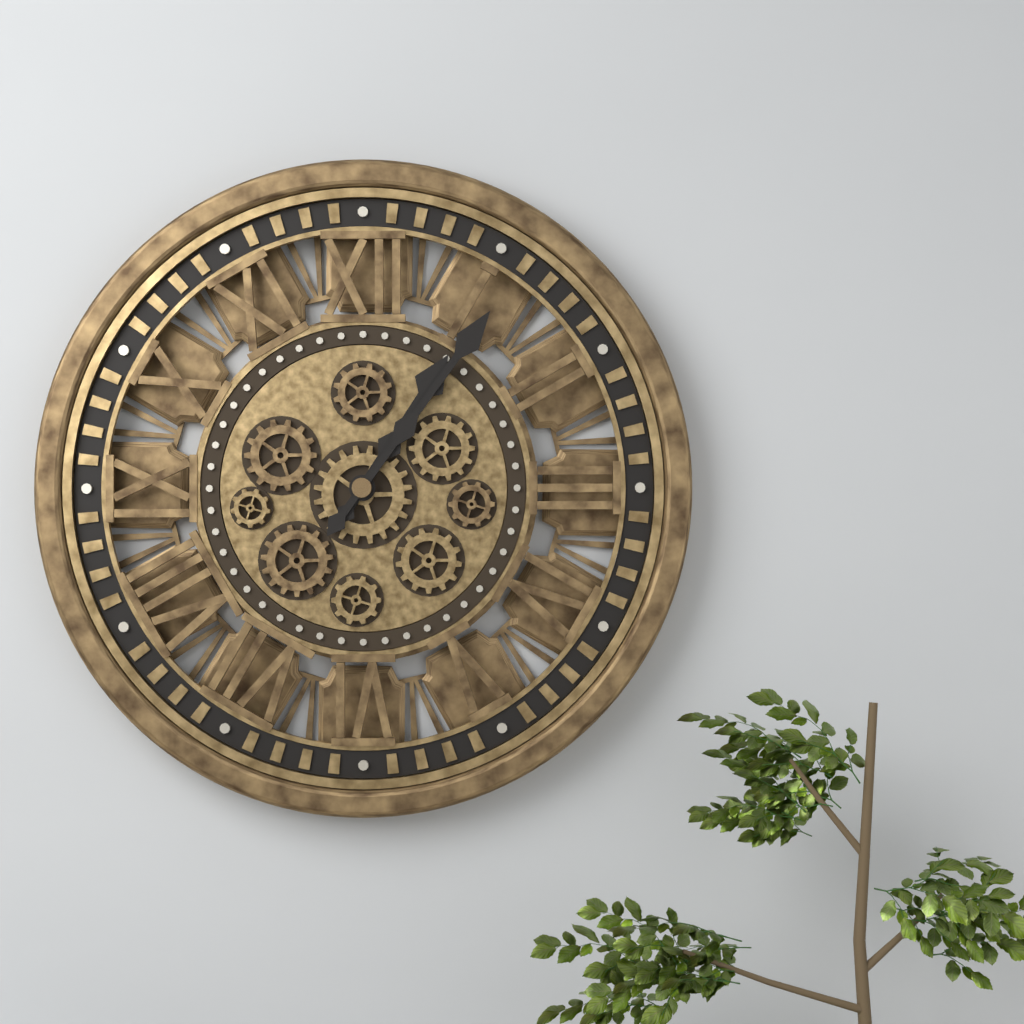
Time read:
h=1 m=6
